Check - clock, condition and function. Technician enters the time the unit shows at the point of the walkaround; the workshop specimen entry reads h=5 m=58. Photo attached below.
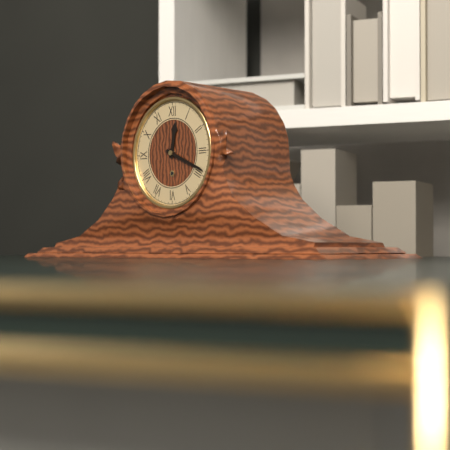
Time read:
h=12 m=19
